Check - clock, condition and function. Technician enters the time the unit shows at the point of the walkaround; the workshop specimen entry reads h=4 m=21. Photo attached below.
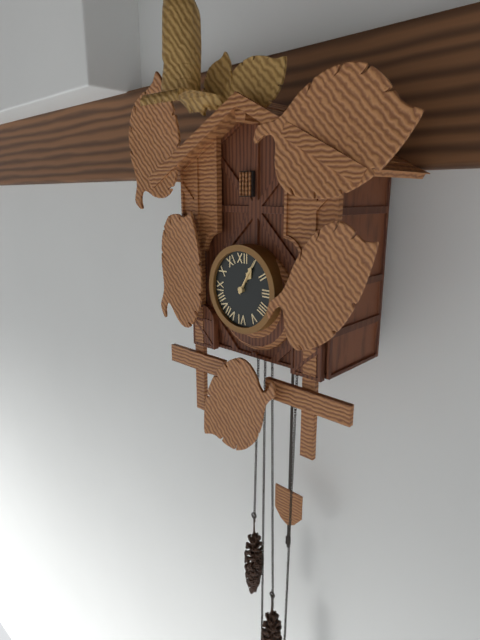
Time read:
h=1 m=5
